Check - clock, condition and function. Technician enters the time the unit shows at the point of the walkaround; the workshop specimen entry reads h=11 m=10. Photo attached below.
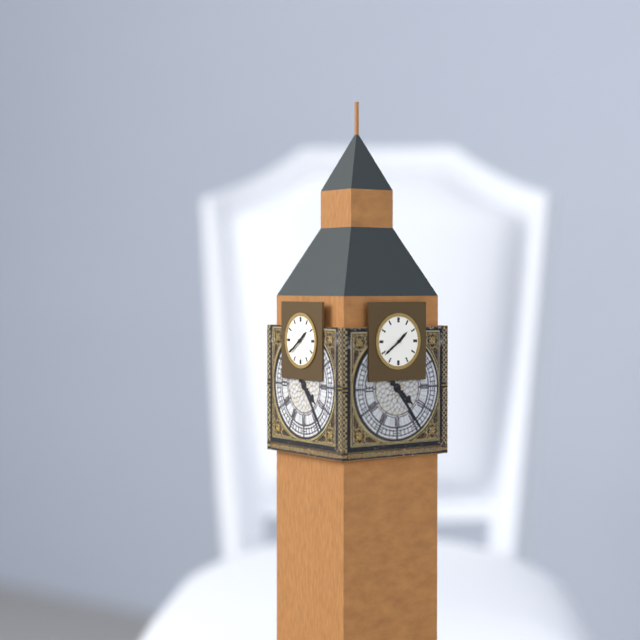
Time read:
h=1 m=39
